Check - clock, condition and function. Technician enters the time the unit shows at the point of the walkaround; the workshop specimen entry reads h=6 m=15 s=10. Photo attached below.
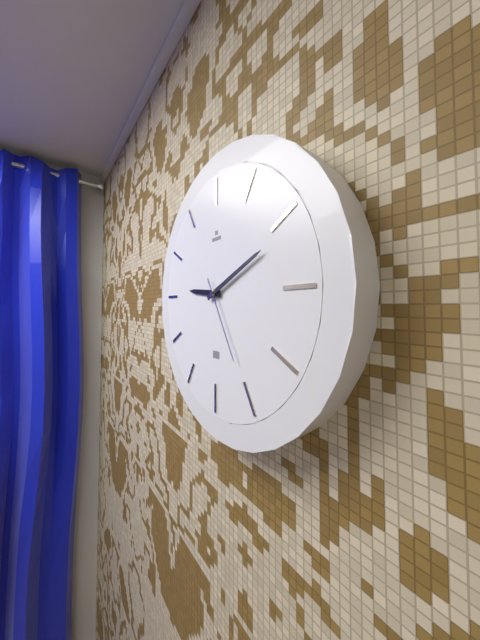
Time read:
h=9 m=11 s=25
